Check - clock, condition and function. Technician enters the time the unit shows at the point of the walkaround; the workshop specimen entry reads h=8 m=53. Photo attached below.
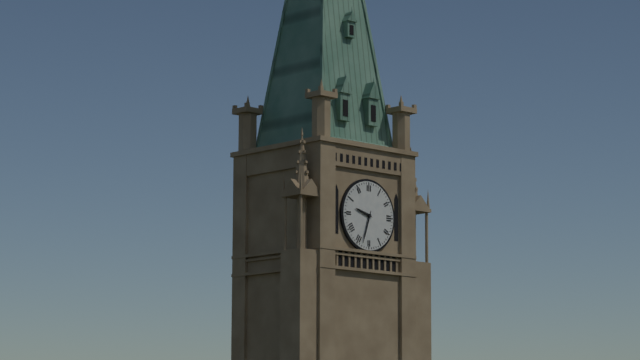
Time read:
h=9 m=33
